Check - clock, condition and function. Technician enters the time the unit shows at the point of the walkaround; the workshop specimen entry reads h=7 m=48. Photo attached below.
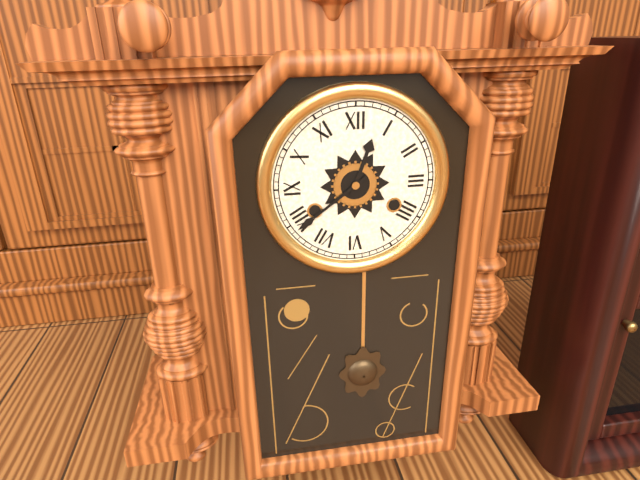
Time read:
h=12 m=39
